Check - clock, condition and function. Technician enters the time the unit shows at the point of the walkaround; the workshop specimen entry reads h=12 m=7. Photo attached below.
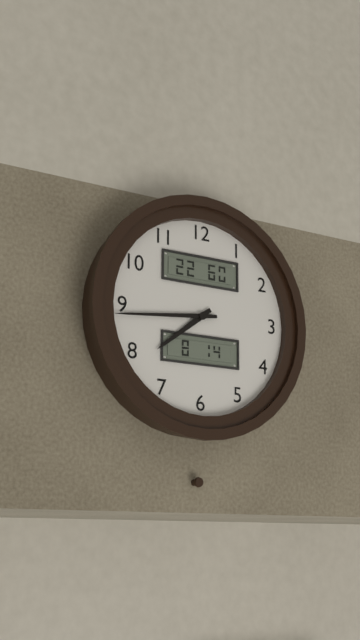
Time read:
h=7 m=44
